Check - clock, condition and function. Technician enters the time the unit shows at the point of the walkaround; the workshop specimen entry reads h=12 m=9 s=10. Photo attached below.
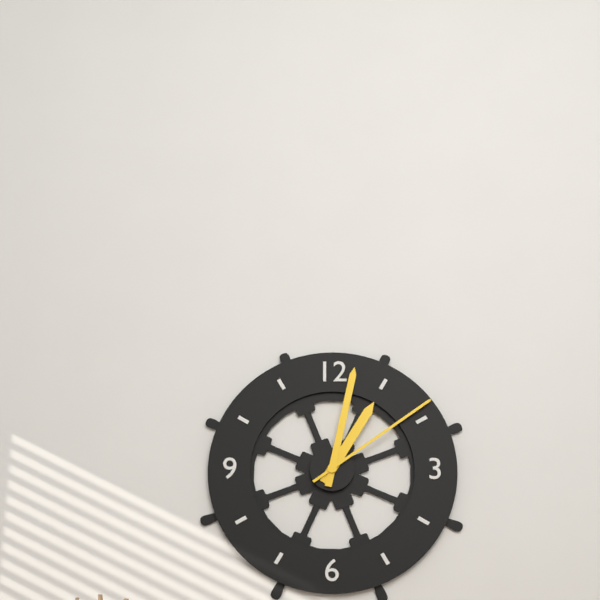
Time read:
h=1 m=2 s=9
